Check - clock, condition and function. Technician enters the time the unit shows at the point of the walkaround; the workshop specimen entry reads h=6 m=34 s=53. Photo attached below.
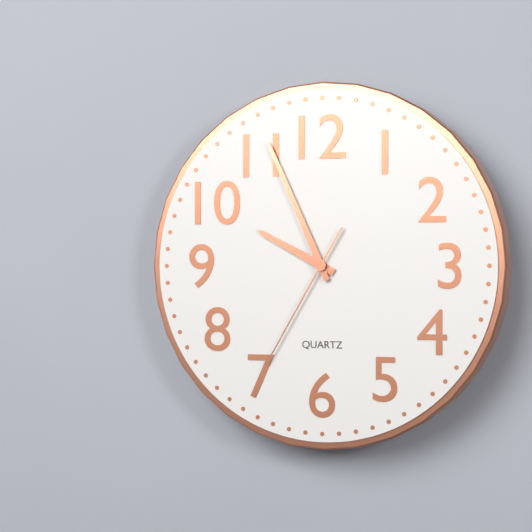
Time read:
h=9 m=56 s=35
